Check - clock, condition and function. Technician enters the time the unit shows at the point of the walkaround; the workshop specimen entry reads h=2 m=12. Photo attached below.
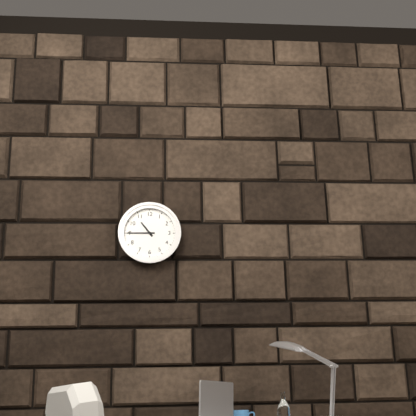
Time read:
h=10 m=45
